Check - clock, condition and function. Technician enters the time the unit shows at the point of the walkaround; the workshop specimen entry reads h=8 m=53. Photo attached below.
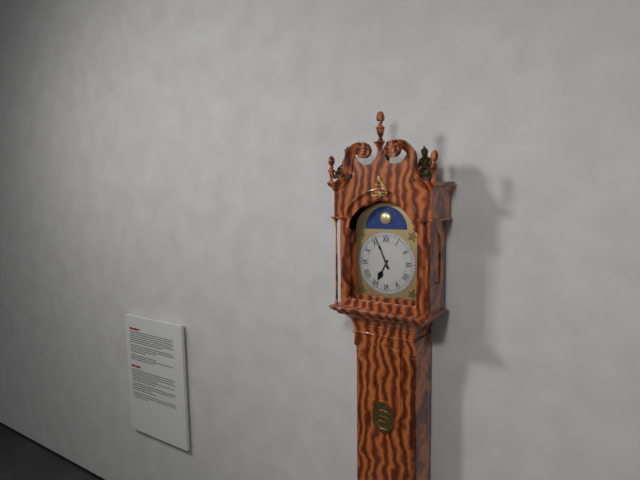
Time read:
h=6 m=56
